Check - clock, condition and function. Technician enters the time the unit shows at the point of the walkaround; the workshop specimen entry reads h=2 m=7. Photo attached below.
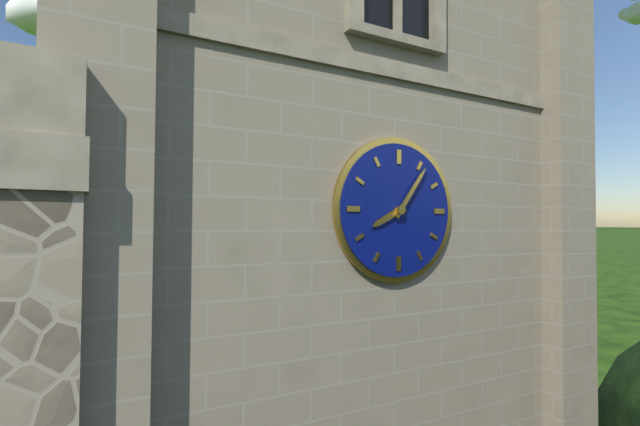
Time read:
h=8 m=6
